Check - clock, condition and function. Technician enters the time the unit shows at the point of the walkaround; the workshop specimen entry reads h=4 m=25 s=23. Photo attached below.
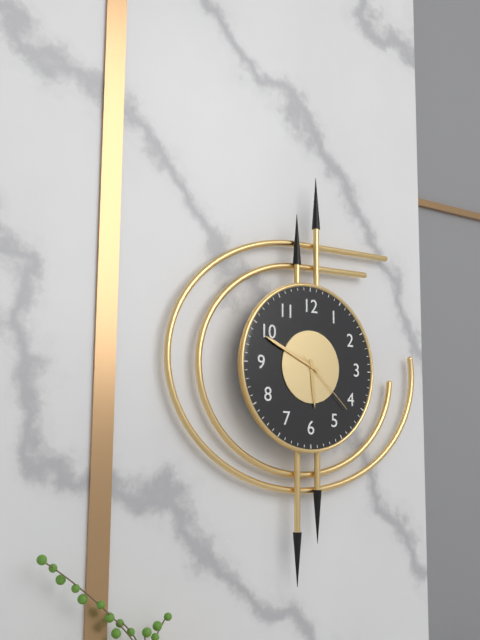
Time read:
h=5 m=49 s=22
